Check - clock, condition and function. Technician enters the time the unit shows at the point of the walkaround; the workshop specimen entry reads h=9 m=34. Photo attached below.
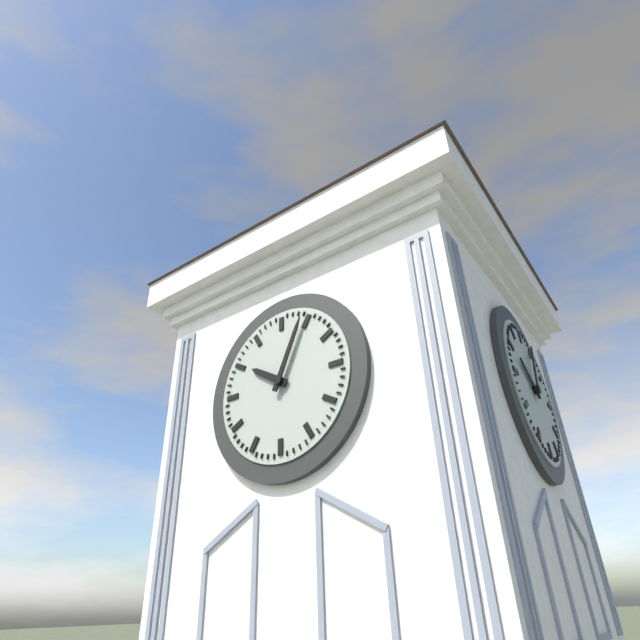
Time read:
h=10 m=4
